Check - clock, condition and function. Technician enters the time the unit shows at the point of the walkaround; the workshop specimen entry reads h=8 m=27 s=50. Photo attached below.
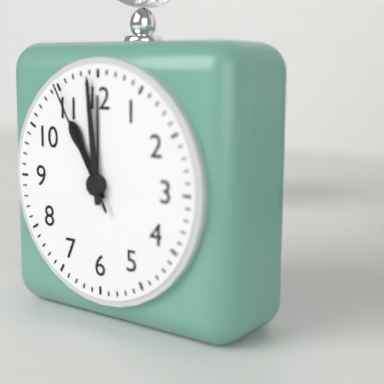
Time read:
h=10 m=59 s=55
